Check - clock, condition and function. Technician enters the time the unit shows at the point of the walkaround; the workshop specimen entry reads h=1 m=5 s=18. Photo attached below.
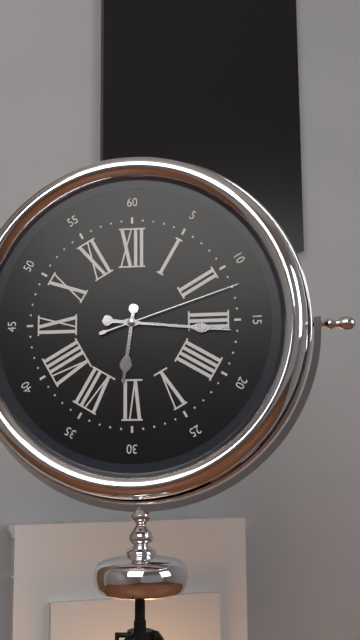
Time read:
h=6 m=16 s=12
